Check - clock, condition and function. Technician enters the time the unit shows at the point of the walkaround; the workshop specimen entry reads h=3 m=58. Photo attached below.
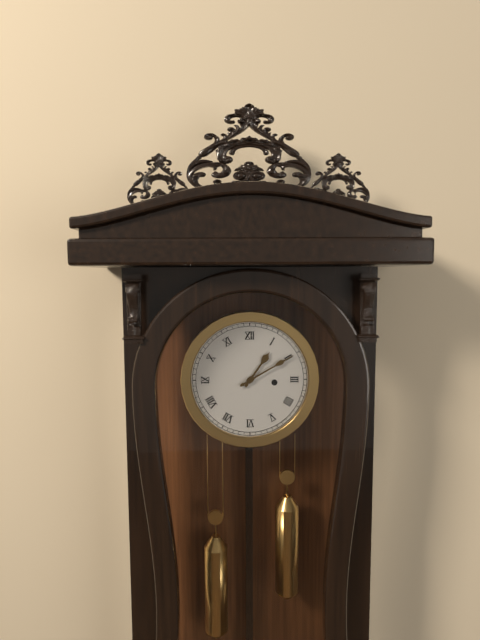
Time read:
h=1 m=10
